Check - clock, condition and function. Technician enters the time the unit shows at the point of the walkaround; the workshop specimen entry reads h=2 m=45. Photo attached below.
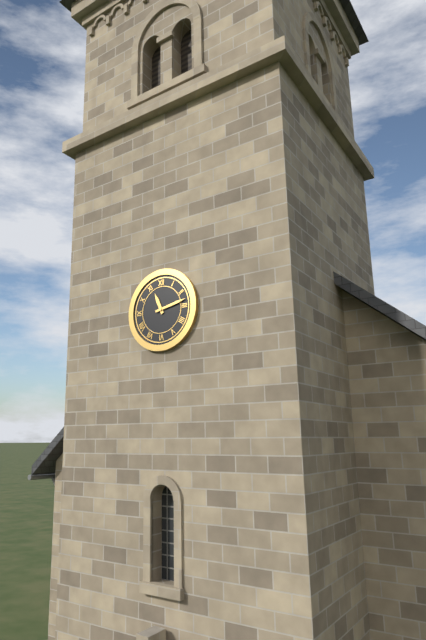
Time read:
h=11 m=13
